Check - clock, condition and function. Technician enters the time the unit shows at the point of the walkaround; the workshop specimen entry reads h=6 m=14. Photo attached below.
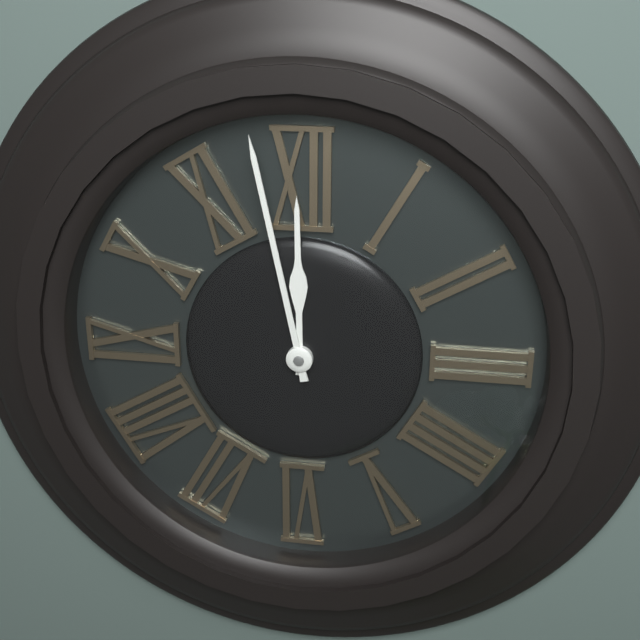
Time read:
h=11 m=58
